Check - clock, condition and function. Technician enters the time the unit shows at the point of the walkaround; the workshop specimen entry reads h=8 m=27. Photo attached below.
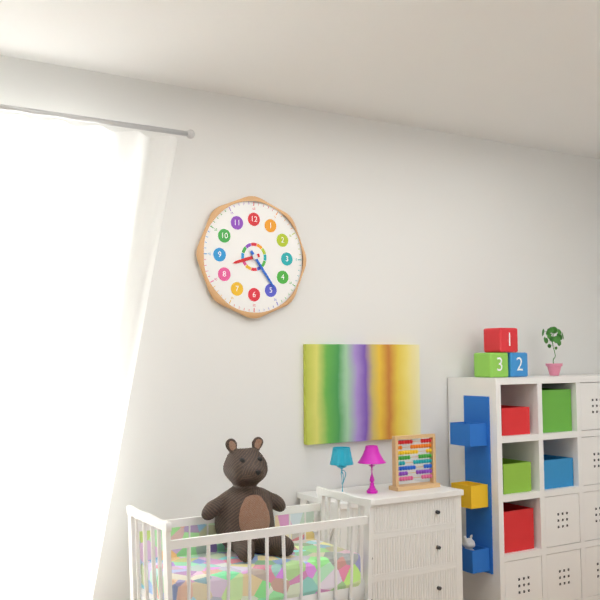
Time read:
h=8 m=24
